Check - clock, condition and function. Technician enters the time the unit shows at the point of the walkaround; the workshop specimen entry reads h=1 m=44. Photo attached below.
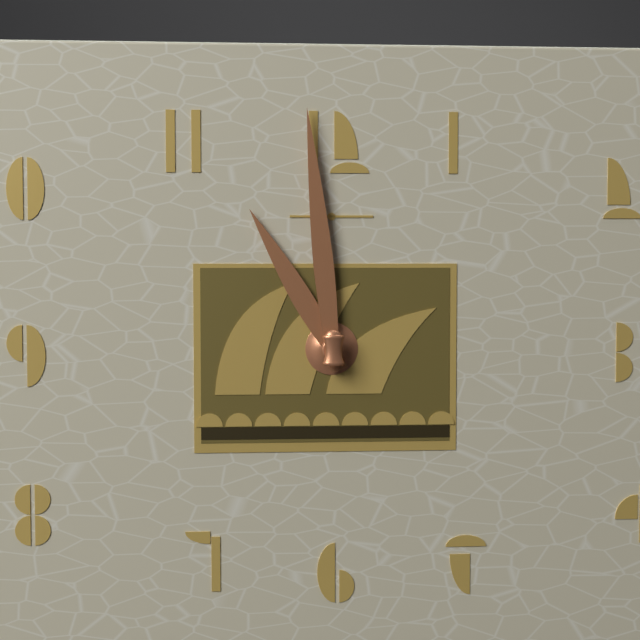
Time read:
h=10 m=59
